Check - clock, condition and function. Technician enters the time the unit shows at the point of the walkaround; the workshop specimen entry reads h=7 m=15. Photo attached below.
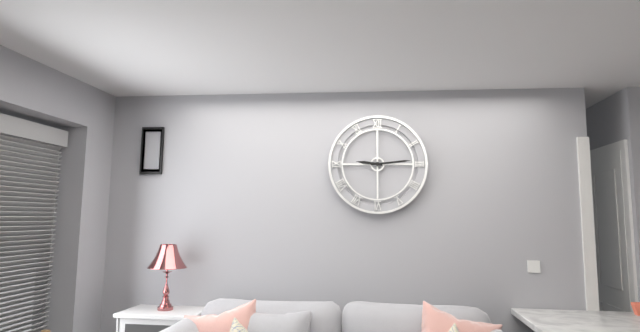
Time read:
h=9 m=14
